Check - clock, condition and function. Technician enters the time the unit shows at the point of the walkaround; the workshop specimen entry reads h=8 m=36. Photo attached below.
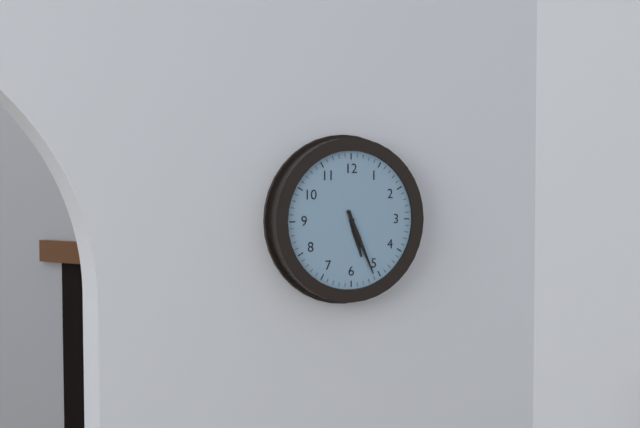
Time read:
h=5 m=26
